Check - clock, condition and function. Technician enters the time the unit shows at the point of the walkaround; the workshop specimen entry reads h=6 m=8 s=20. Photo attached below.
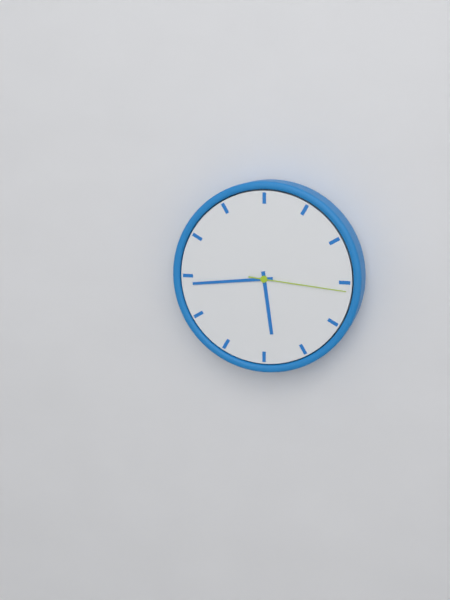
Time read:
h=5 m=44 s=16
